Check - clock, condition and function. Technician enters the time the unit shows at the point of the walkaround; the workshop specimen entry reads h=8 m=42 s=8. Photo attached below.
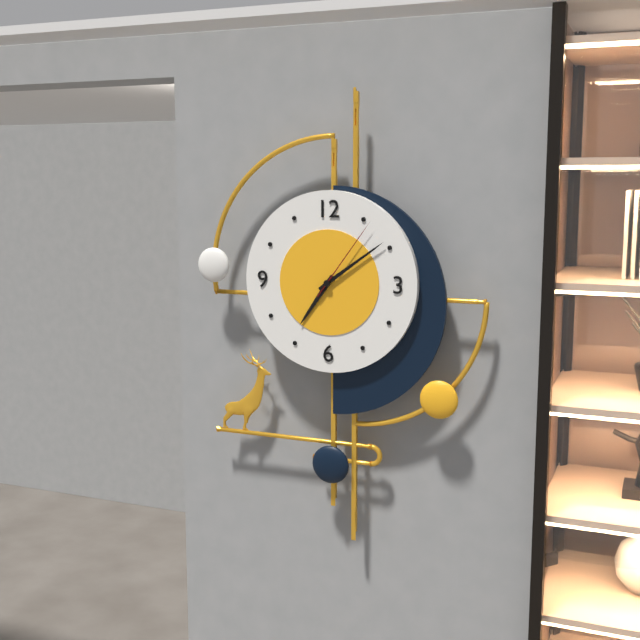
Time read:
h=7 m=9 s=6
